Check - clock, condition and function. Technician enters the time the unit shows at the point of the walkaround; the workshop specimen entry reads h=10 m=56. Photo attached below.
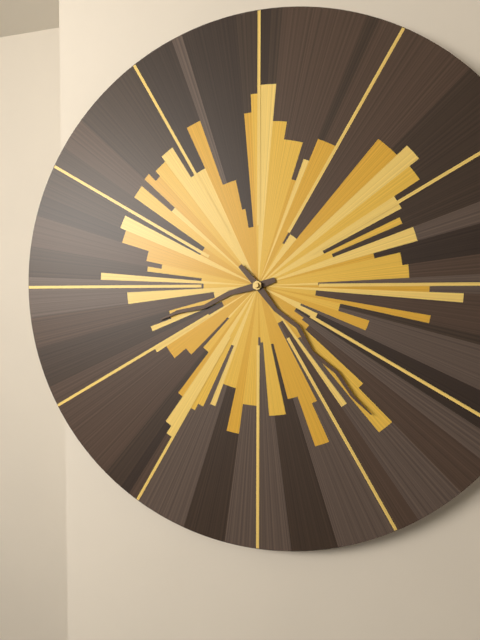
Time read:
h=8 m=23
